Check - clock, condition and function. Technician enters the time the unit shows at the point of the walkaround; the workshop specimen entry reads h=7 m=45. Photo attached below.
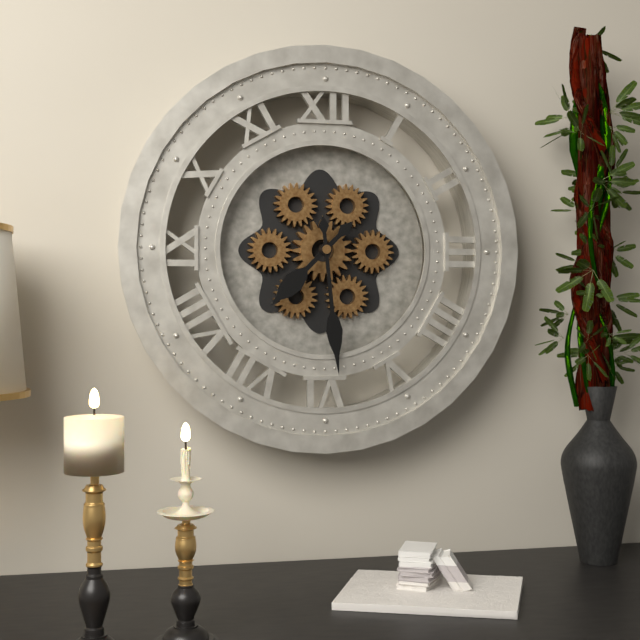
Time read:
h=7 m=29
